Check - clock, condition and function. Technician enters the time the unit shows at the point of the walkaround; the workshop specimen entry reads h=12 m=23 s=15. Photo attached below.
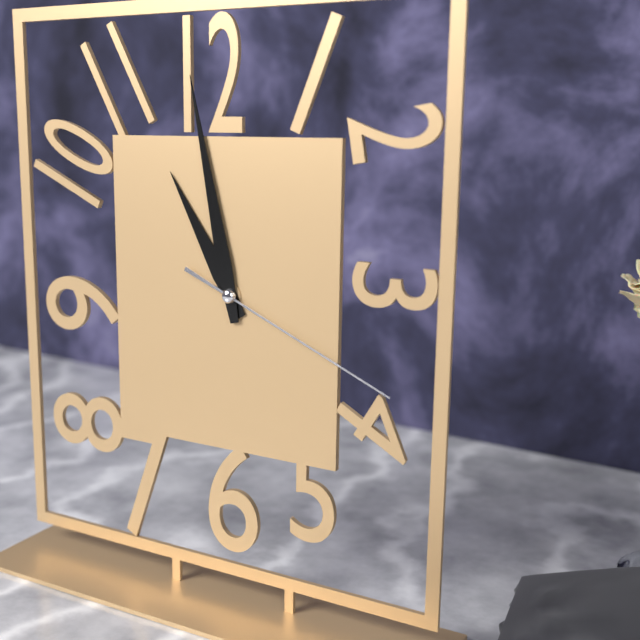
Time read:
h=10 m=58 s=19
